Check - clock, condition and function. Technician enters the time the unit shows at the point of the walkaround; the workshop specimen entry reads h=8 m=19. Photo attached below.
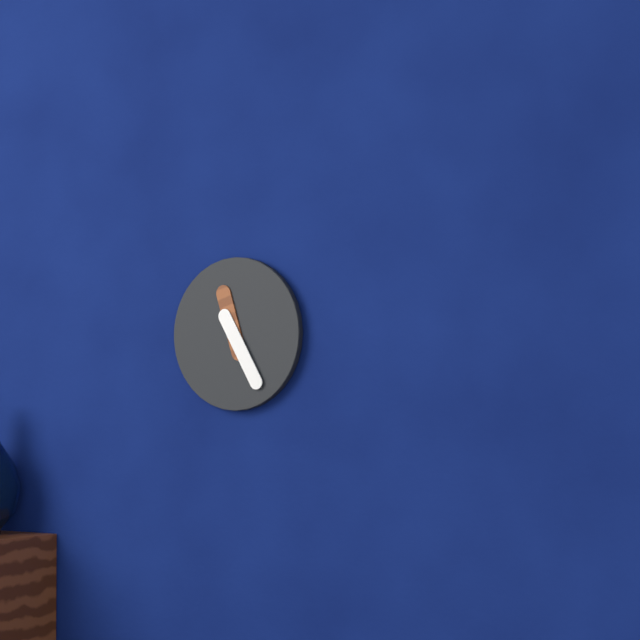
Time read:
h=11 m=25
